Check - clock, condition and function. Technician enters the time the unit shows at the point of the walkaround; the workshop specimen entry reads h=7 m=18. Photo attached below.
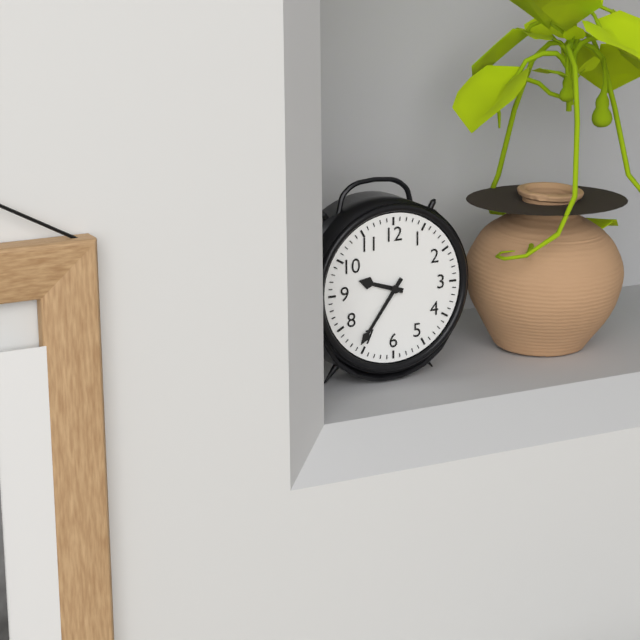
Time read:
h=9 m=36
